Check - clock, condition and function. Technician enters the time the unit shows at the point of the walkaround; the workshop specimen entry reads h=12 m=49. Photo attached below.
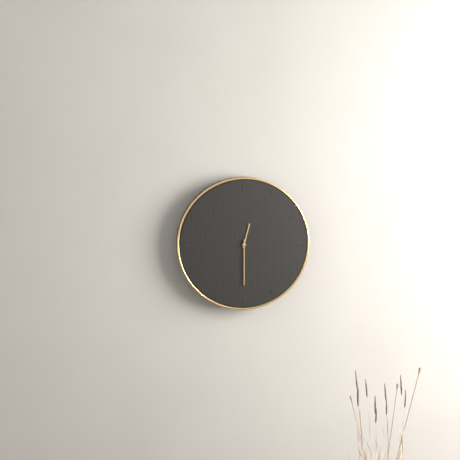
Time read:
h=12 m=30
